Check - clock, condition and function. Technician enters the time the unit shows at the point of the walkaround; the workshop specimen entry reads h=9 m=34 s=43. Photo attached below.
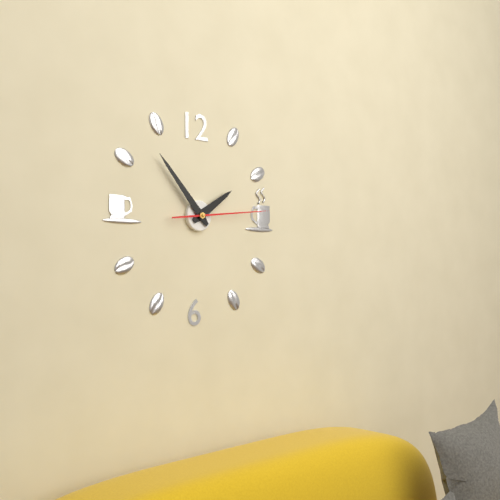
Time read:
h=1 m=53 s=14
